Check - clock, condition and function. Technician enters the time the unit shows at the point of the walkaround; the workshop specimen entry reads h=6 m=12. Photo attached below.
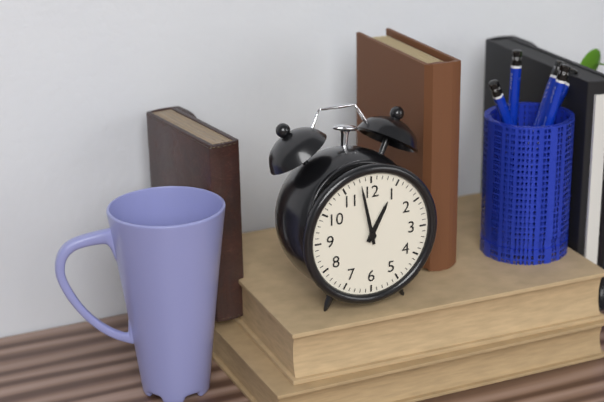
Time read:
h=12 m=58
